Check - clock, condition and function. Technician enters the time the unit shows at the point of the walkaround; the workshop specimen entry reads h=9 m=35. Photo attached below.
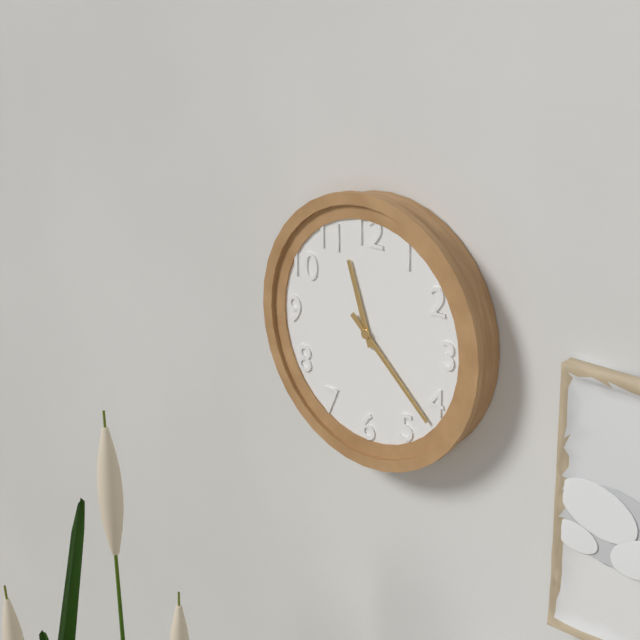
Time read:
h=11 m=22
